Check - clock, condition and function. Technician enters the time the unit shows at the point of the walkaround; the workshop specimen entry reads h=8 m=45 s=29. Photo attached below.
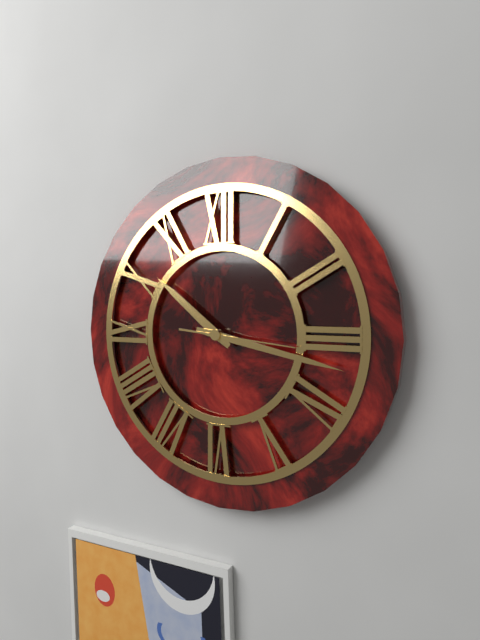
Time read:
h=10 m=17 s=16
